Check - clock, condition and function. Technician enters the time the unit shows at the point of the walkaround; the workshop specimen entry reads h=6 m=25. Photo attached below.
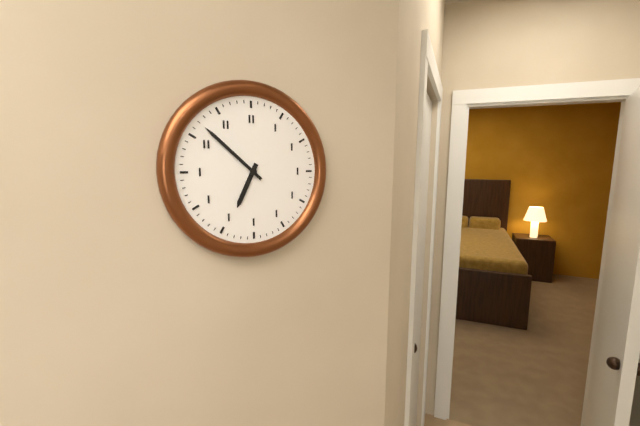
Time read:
h=6 m=52
